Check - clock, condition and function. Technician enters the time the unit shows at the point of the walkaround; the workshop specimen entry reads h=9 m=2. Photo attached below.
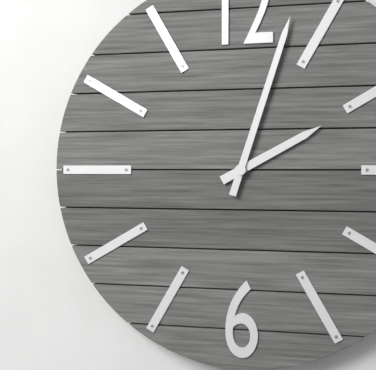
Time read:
h=2 m=3
